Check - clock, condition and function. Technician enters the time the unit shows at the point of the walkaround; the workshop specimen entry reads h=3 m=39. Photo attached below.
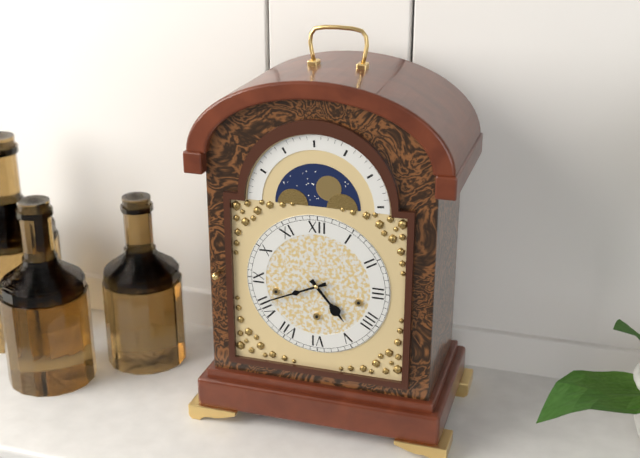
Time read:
h=4 m=41
